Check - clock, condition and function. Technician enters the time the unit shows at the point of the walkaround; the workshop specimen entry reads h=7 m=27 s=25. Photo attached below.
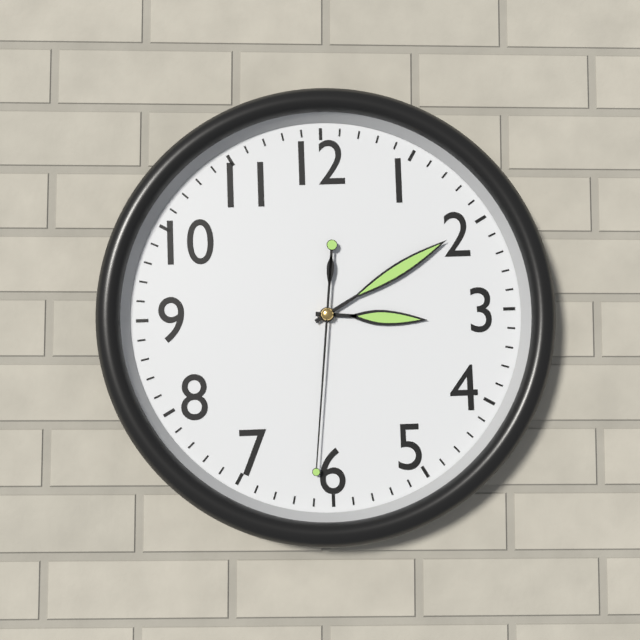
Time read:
h=3 m=10 s=31
